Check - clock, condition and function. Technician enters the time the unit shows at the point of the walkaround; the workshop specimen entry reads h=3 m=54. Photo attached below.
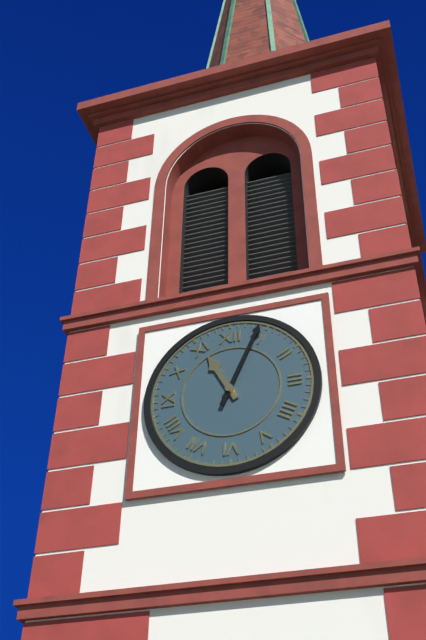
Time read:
h=11 m=4
